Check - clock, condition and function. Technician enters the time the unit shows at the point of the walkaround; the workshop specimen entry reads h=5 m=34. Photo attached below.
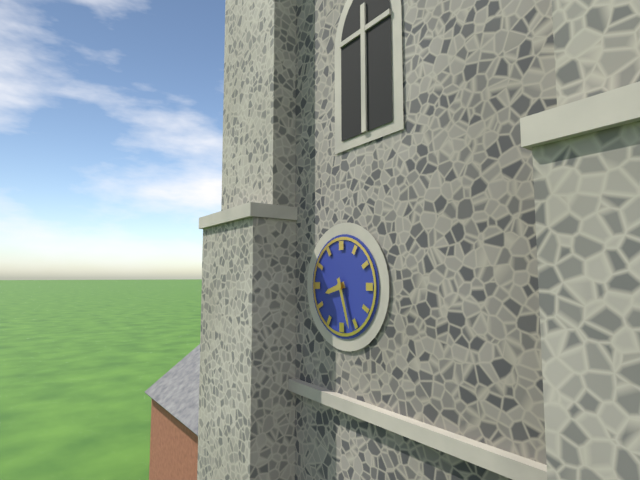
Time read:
h=8 m=27
